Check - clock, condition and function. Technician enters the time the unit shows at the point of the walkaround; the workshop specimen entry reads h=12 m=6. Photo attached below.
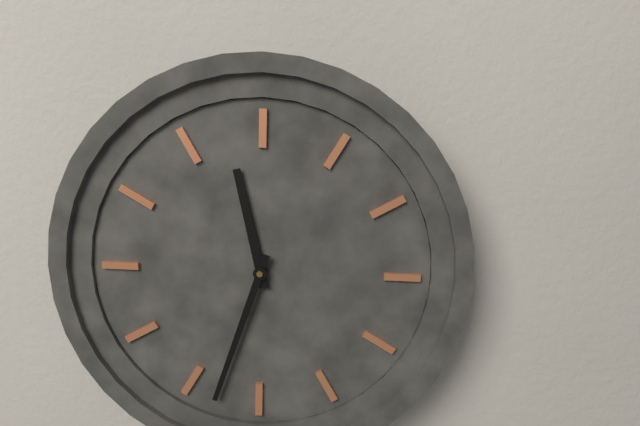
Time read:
h=11 m=33
